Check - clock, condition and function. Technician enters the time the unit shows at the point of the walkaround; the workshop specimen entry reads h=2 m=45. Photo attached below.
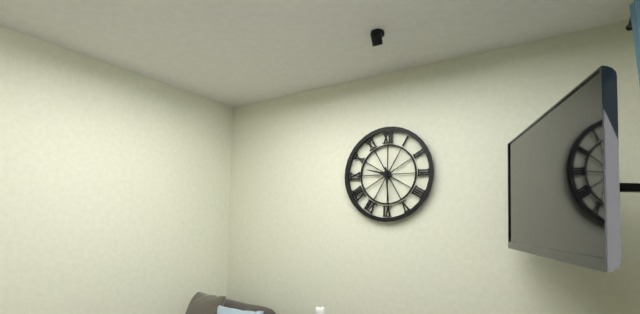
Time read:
h=9 m=29
